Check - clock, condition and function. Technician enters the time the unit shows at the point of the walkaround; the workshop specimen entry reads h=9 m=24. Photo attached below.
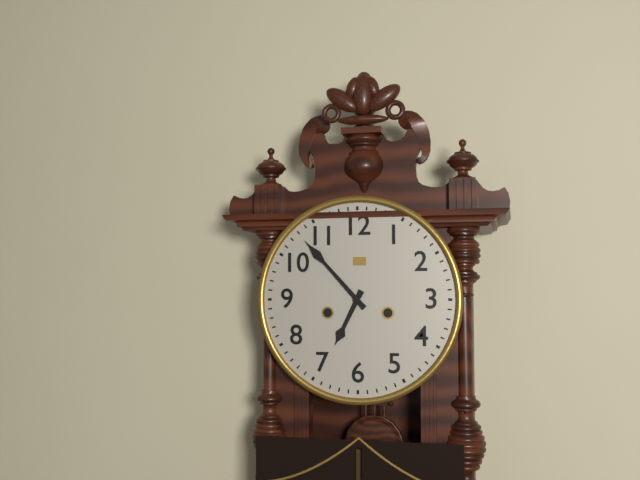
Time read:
h=6 m=53
